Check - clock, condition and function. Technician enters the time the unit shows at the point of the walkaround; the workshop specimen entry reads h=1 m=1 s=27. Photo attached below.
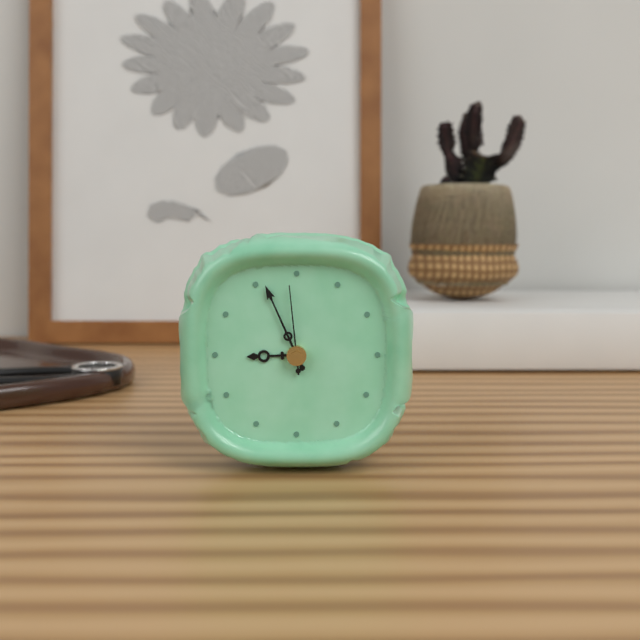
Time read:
h=8 m=56 s=59
